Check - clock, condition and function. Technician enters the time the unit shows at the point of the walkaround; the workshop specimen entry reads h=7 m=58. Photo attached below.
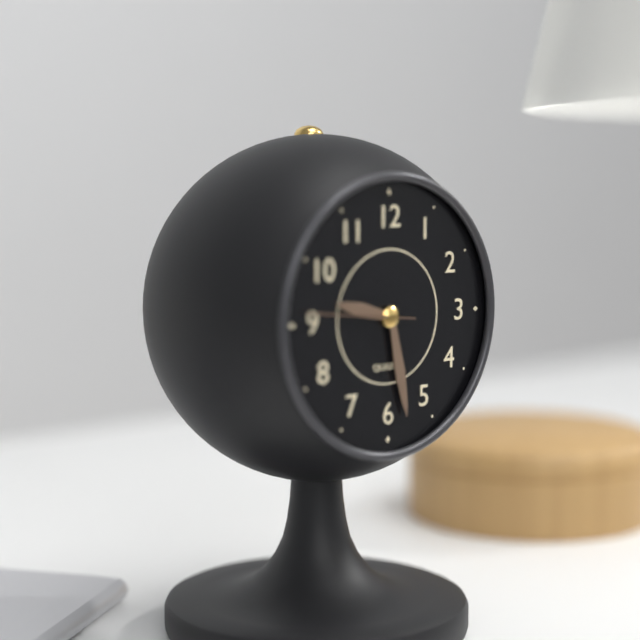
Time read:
h=9 m=28
